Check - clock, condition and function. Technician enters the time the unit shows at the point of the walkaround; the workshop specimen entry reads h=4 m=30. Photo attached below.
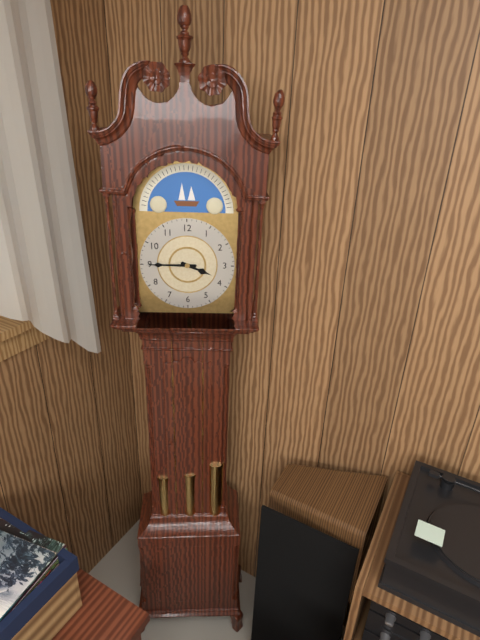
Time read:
h=3 m=45
